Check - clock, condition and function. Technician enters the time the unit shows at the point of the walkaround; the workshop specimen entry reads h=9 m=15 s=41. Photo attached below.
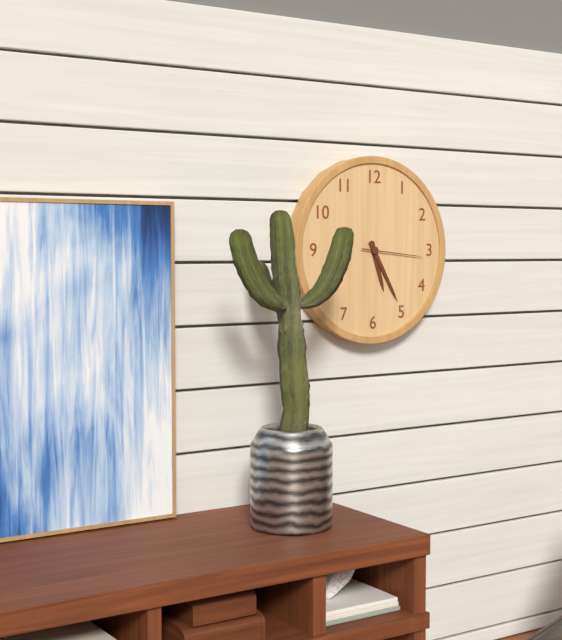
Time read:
h=5 m=25 s=16
